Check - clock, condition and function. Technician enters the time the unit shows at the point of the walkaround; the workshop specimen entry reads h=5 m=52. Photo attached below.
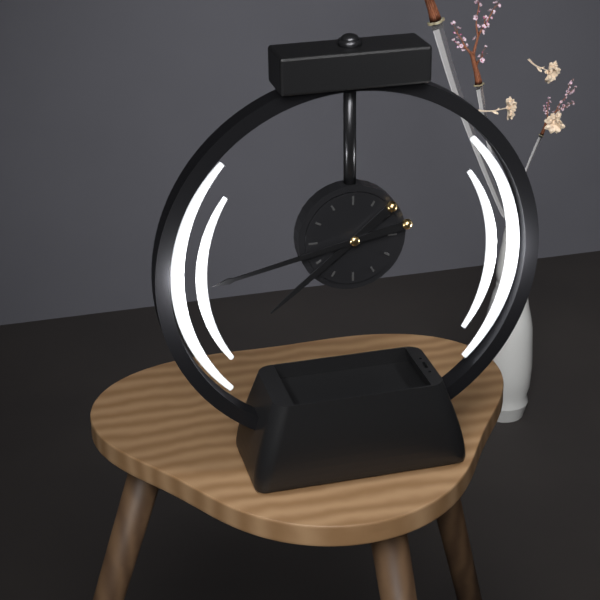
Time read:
h=7 m=43
